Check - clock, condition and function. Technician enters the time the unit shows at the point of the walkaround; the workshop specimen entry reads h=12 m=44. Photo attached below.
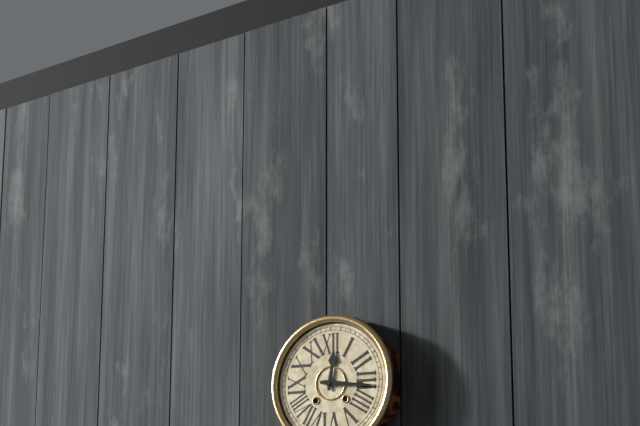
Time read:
h=12 m=16
